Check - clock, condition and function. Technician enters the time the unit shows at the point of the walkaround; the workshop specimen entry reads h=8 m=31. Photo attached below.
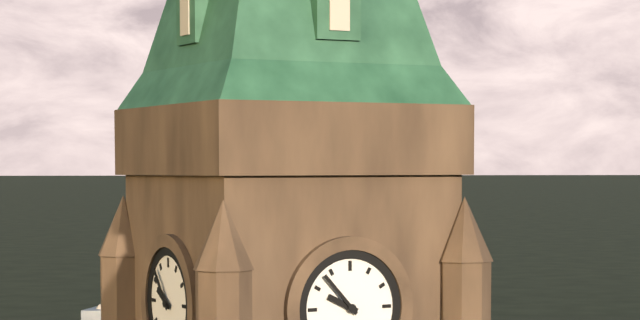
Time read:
h=9 m=53
